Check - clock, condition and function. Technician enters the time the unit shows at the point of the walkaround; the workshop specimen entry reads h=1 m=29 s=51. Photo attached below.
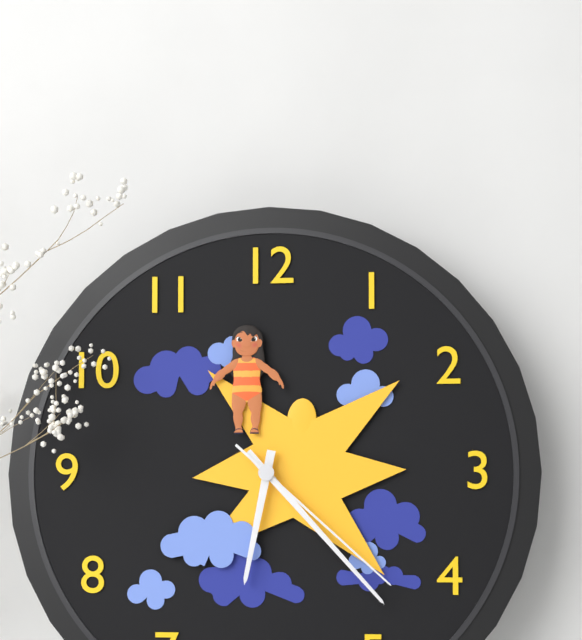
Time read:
h=6 m=23 s=22
